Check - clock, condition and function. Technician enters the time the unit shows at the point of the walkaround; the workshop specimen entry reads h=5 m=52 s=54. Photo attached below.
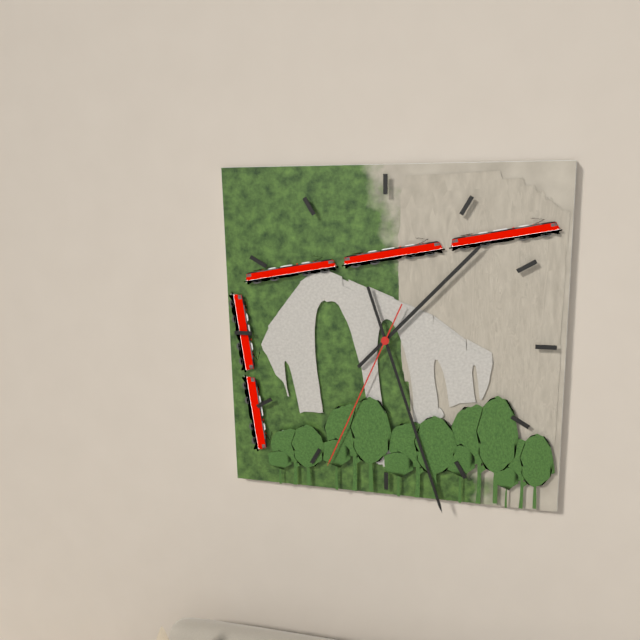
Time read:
h=1 m=27 s=34
